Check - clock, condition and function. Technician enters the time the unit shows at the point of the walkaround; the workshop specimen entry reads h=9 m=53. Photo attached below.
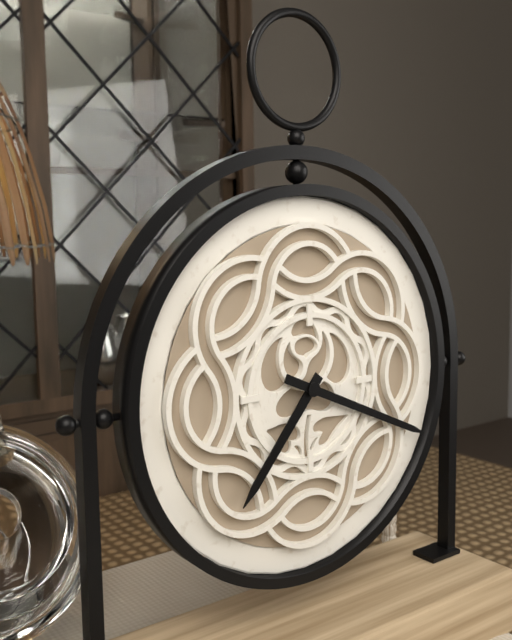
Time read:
h=7 m=19
